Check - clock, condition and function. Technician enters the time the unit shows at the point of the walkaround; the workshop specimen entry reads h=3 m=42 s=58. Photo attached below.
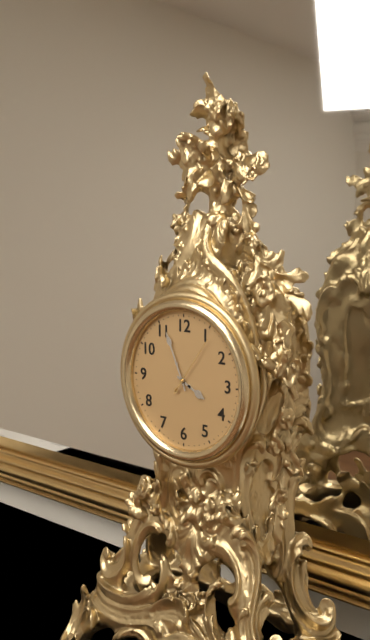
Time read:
h=3 m=56 s=6
